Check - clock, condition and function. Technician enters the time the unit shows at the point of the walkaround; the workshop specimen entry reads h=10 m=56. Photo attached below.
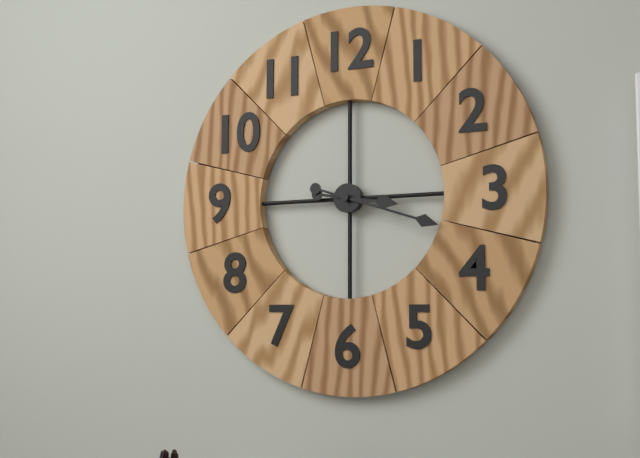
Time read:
h=3 m=18
